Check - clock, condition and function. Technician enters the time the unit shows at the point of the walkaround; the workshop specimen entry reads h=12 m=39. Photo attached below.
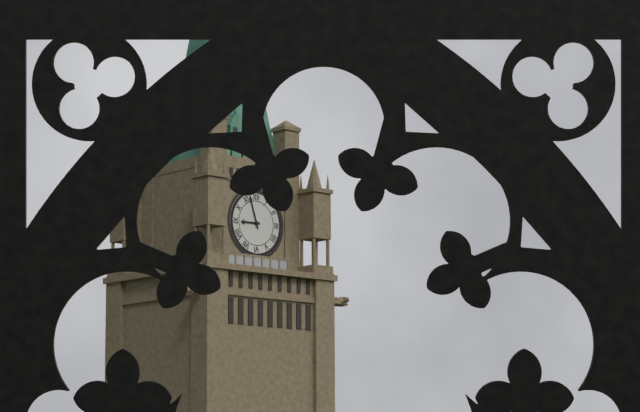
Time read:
h=8 m=57
